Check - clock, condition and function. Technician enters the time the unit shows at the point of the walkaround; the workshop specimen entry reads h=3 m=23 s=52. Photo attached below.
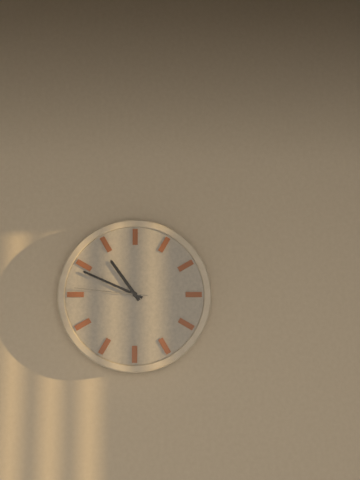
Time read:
h=10 m=49 s=46
